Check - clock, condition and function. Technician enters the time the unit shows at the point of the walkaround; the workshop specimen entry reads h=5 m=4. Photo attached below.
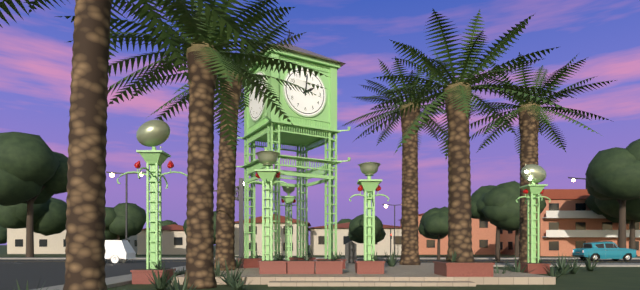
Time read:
h=2 m=1
